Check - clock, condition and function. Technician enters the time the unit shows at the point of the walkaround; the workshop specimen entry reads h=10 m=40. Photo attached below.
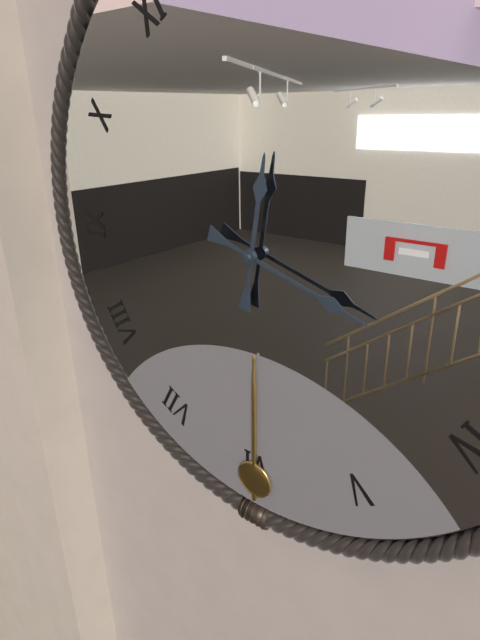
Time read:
h=12 m=18
